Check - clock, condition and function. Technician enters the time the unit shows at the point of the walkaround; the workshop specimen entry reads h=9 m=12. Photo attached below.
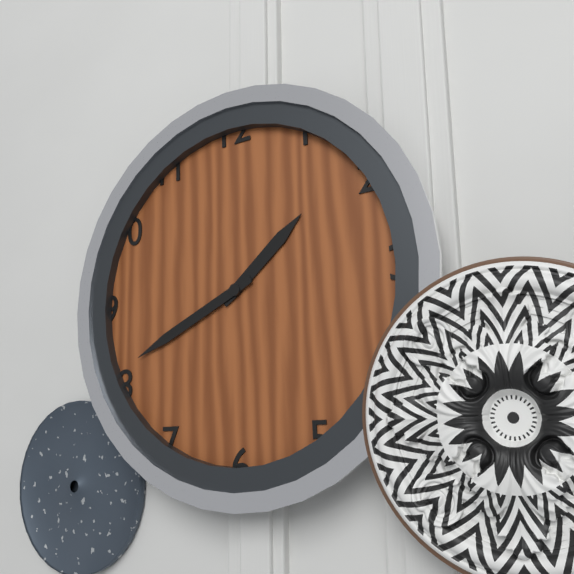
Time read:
h=1 m=41
